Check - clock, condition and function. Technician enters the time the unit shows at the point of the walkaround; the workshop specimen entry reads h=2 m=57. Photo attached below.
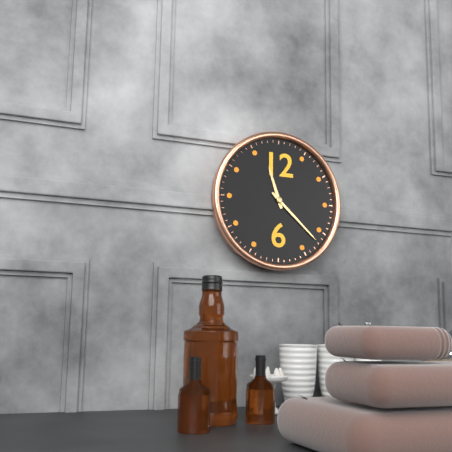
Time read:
h=11 m=22
